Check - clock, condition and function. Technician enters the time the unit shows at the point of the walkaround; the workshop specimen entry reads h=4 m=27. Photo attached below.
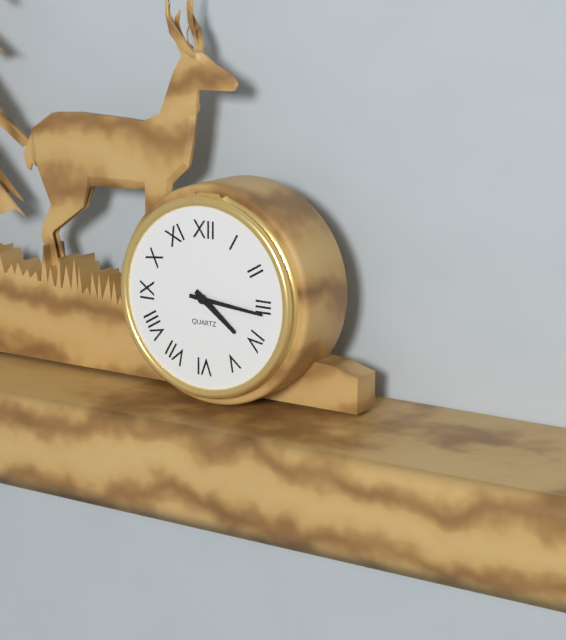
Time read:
h=4 m=16
